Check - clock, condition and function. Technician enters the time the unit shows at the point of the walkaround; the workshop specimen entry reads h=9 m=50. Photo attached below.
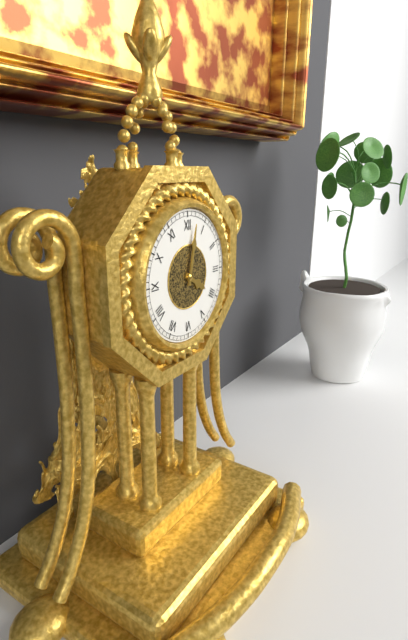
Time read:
h=4 m=2
